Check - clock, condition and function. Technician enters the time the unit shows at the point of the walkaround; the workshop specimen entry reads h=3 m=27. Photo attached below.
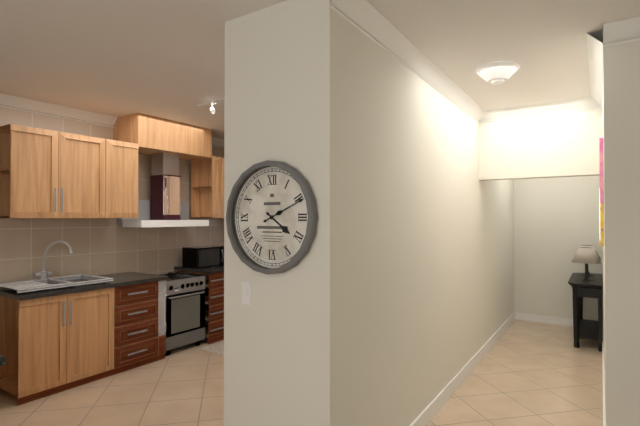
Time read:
h=4 m=11
